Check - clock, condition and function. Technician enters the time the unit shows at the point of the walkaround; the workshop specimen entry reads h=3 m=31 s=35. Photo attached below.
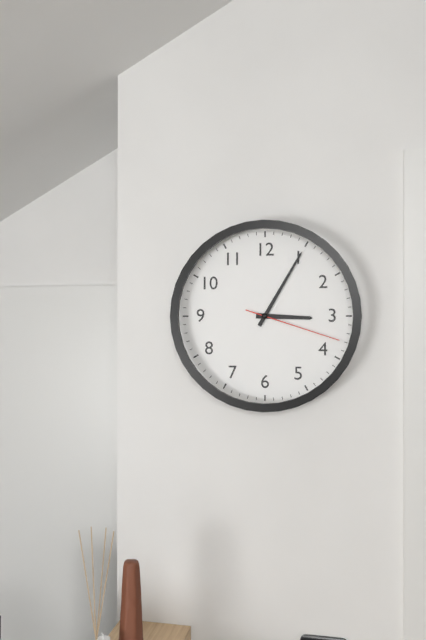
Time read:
h=3 m=5 s=18
